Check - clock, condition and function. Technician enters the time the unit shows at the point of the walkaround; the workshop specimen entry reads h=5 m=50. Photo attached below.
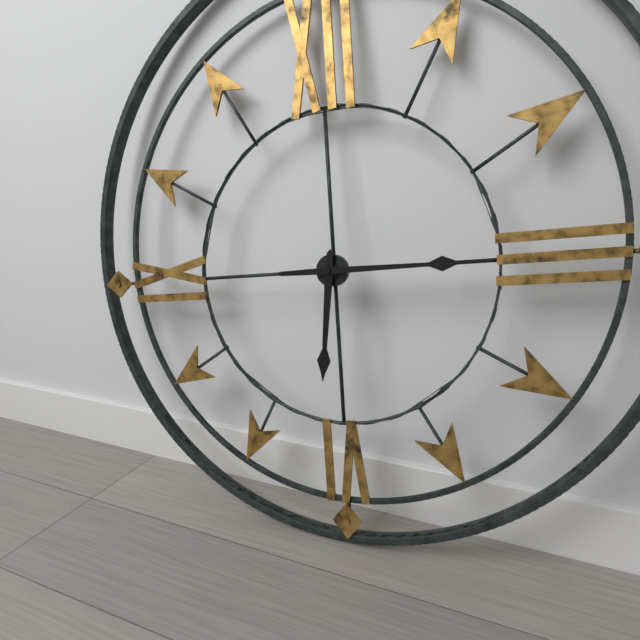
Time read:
h=6 m=15
